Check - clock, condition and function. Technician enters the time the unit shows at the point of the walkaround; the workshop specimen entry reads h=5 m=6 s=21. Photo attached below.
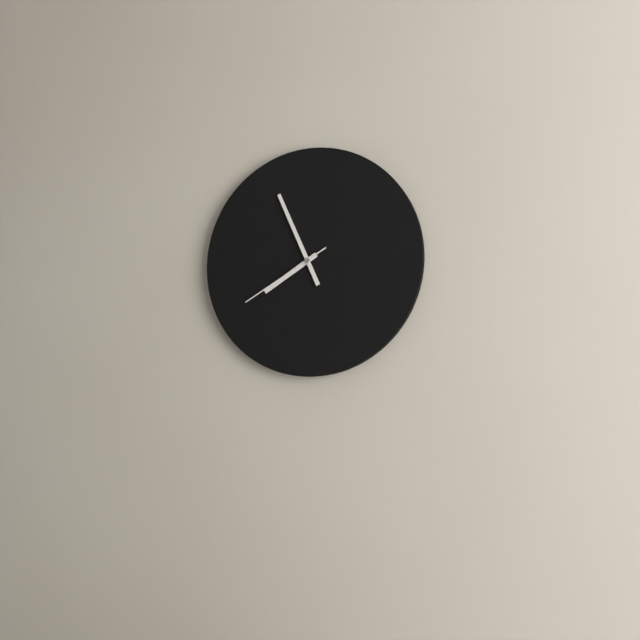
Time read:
h=7 m=56 s=40
